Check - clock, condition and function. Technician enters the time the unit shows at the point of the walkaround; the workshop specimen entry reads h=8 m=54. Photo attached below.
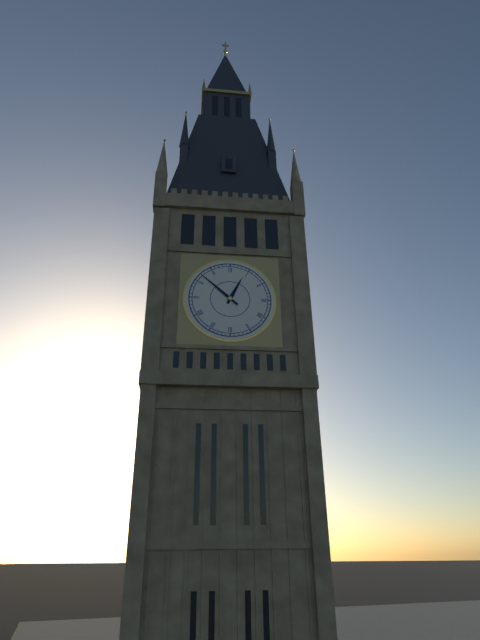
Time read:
h=12 m=52
